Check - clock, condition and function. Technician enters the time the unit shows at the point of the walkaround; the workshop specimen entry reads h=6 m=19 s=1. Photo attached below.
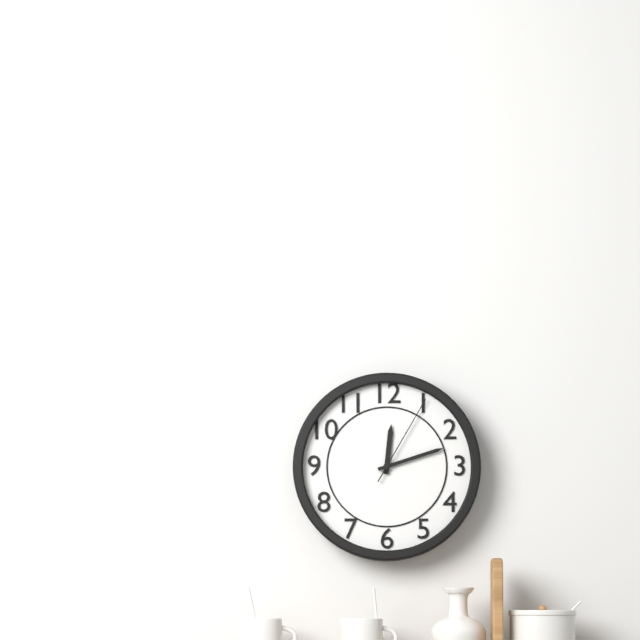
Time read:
h=12 m=12 s=5
